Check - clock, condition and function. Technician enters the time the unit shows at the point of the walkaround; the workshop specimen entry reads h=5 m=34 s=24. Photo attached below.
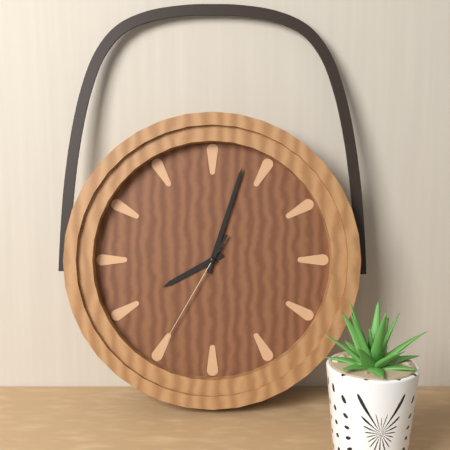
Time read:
h=8 m=3 s=35
